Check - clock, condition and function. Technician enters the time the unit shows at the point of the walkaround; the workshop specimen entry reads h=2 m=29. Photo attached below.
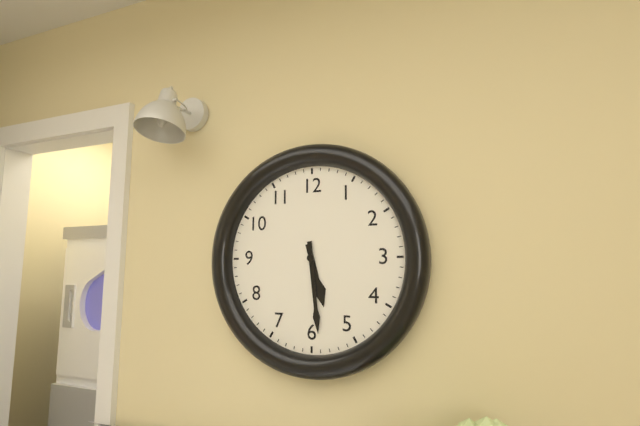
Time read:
h=5 m=29
